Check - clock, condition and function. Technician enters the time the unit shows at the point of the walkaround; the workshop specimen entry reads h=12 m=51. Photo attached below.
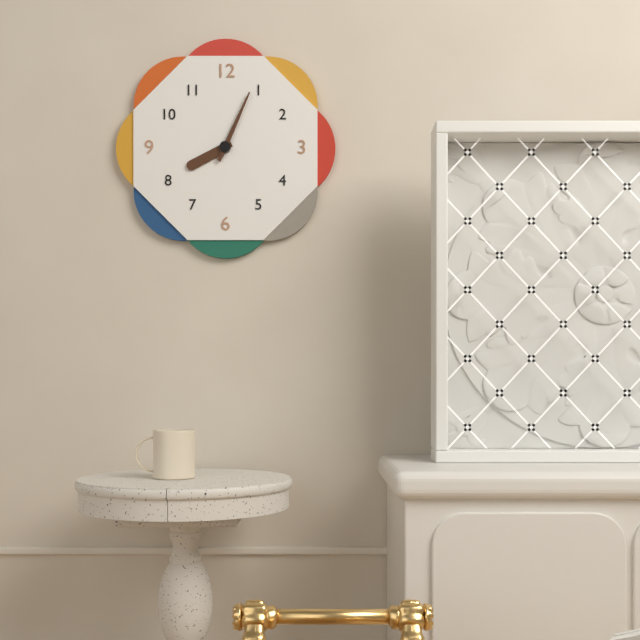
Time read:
h=8 m=4
